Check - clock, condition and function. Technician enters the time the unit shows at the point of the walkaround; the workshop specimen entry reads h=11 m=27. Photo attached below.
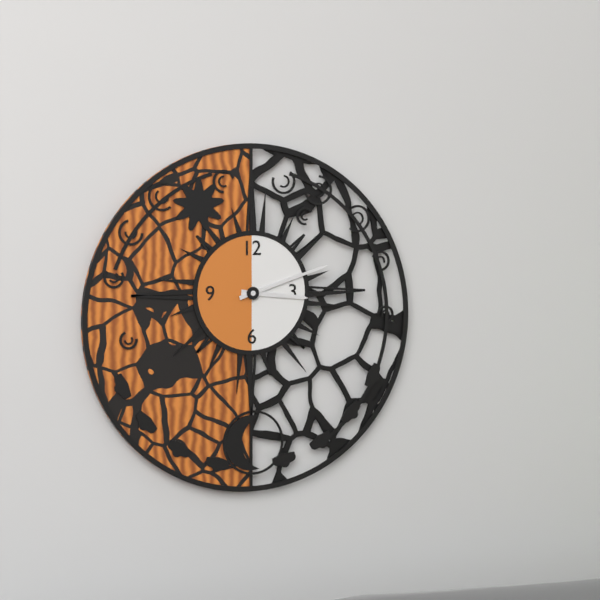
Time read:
h=3 m=12
